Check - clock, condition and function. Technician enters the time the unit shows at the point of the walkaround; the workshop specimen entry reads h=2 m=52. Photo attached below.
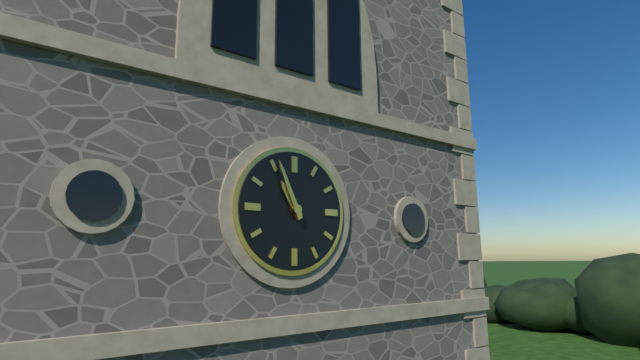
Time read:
h=10 m=56
